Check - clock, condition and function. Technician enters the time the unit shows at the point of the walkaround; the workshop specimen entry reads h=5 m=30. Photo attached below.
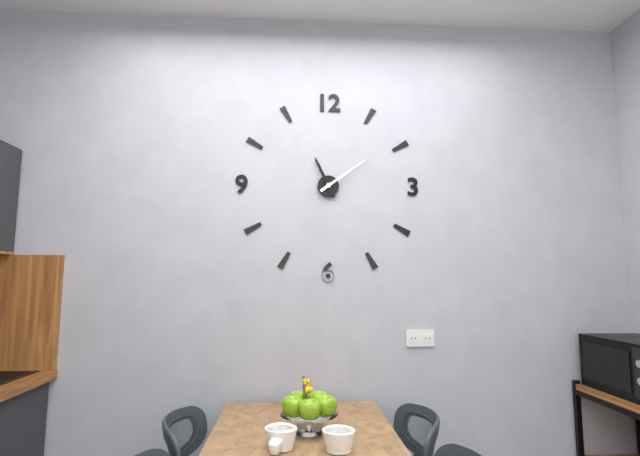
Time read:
h=11 m=9
